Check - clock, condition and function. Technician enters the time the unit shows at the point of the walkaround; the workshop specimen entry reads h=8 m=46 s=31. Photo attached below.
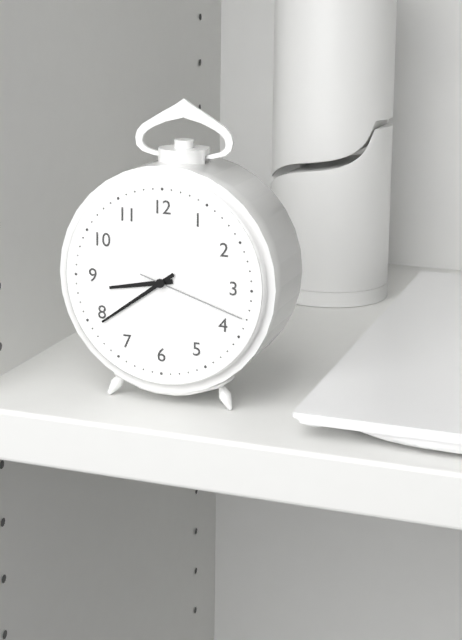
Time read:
h=8 m=39 s=18
